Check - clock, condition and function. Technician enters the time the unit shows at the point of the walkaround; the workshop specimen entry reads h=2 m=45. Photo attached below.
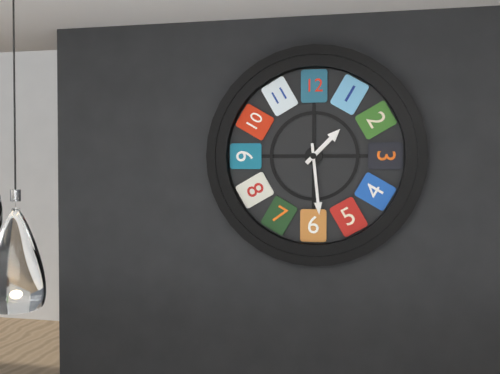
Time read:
h=1 m=29
